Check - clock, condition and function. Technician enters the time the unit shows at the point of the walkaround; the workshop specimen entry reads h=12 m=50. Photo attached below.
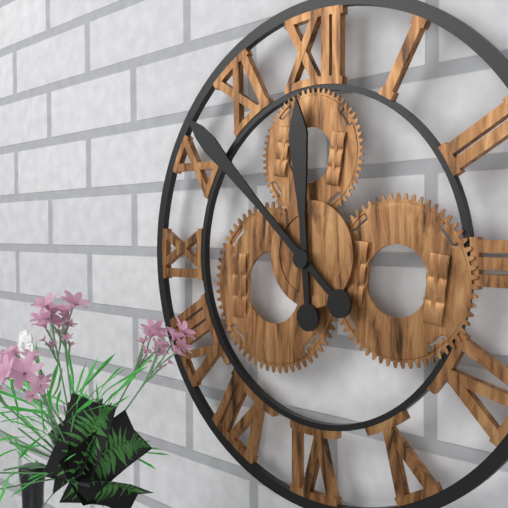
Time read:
h=11 m=52
